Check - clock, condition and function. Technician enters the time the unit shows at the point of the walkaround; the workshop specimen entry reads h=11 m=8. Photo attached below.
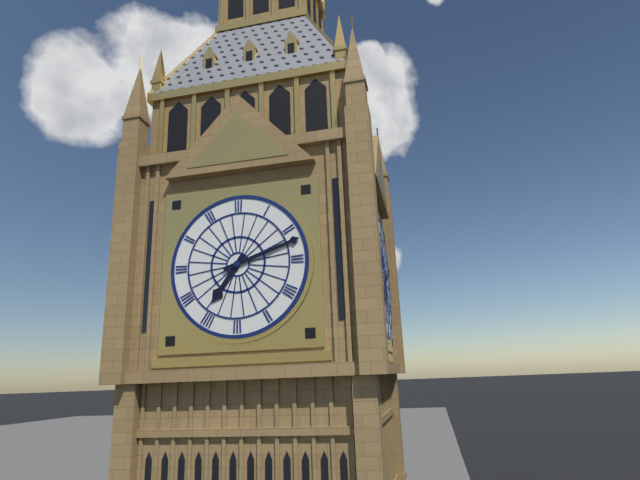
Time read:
h=7 m=12
